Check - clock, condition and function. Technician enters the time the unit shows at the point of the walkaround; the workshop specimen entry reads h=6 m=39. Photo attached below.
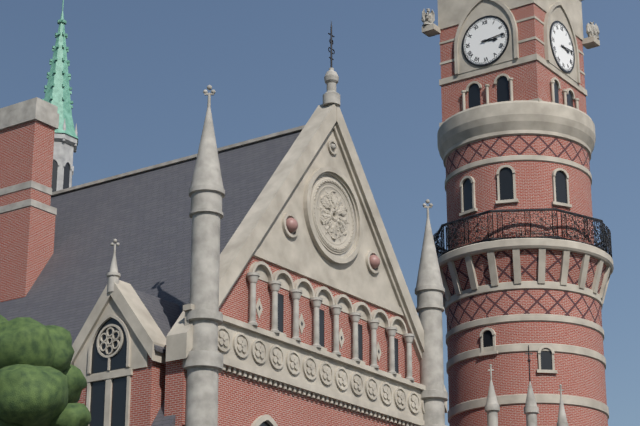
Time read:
h=3 m=14
